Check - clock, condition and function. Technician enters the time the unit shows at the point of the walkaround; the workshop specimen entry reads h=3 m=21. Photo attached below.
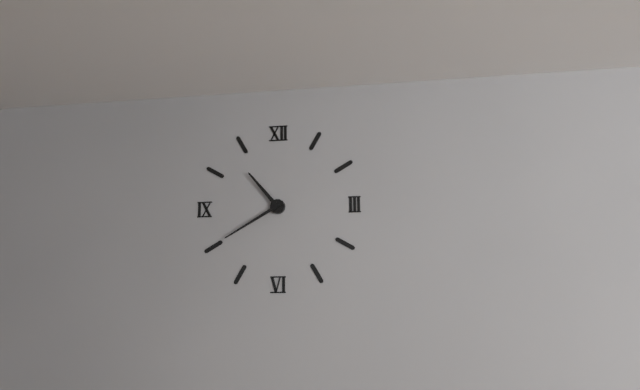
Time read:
h=10 m=40
